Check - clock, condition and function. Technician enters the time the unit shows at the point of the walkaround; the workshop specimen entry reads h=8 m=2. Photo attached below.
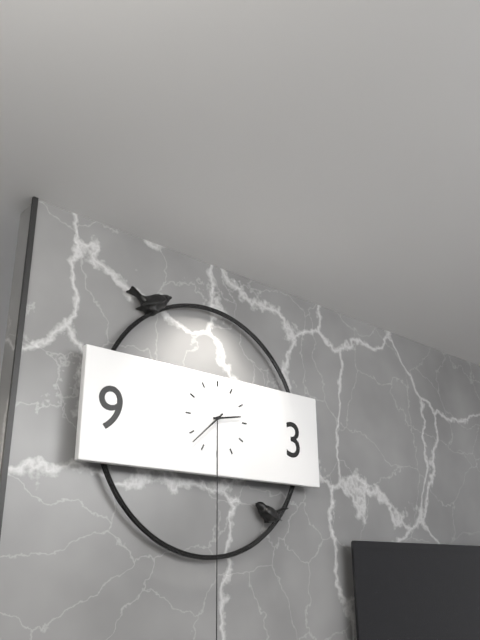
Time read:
h=2 m=38
